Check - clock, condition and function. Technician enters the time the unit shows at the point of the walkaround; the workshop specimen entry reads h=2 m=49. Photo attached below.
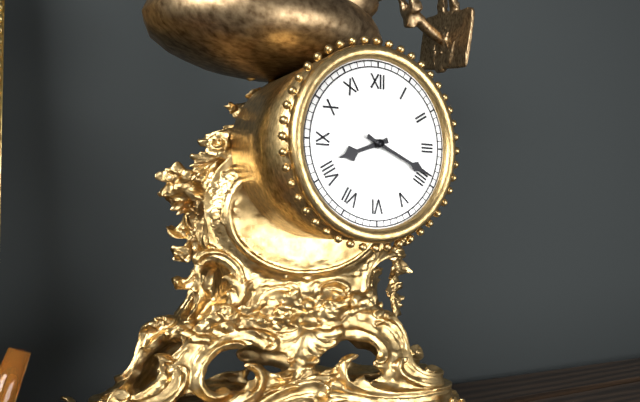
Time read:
h=8 m=19
